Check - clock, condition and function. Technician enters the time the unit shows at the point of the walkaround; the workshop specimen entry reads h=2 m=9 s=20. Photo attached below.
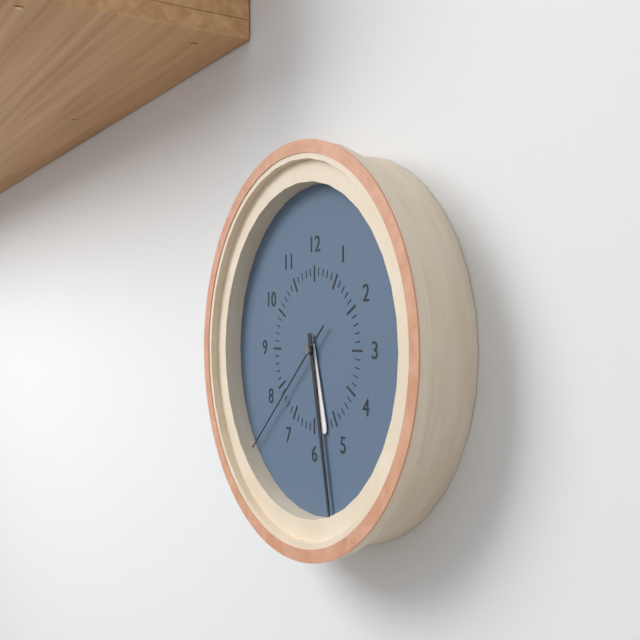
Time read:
h=5 m=28 s=38
